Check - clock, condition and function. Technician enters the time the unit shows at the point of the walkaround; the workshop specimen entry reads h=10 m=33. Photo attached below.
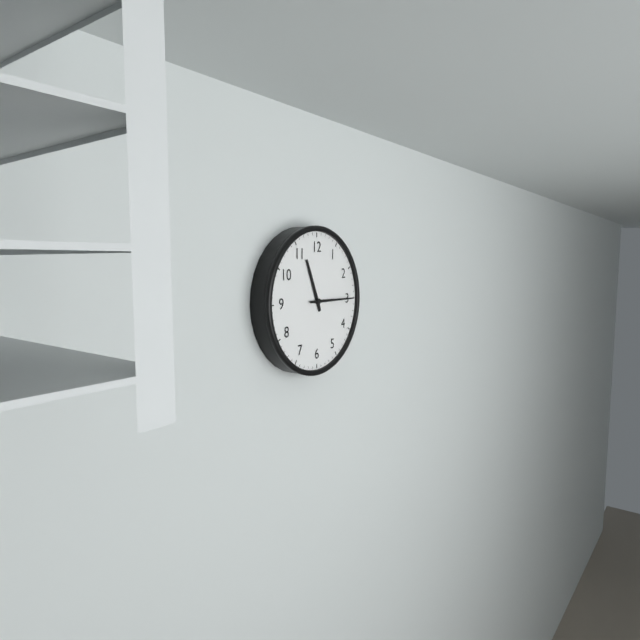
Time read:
h=11 m=15
